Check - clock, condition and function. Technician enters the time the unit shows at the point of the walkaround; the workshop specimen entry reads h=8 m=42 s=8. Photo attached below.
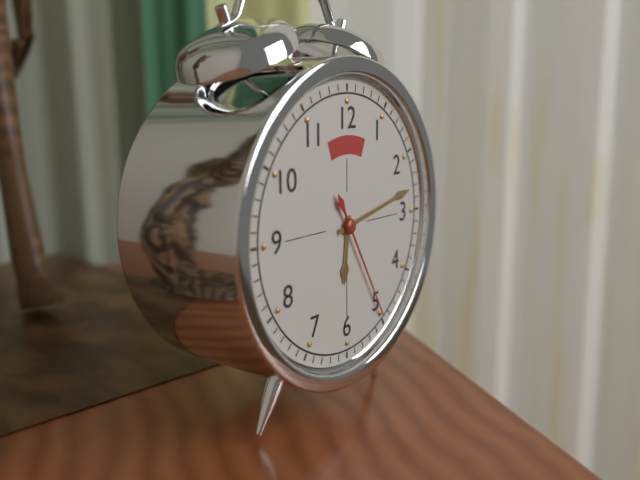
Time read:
h=6 m=13 s=25
